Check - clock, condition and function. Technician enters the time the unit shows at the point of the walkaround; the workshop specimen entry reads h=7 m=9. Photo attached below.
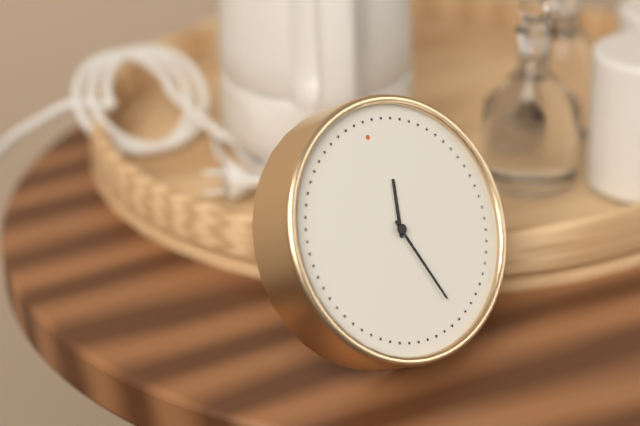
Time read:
h=12 m=27
